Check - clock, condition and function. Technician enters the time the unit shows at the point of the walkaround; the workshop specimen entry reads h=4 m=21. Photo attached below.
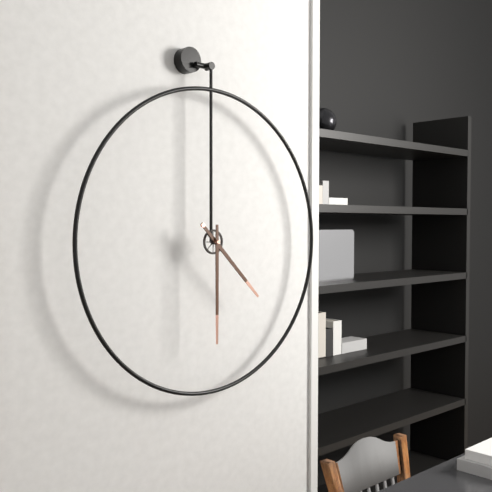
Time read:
h=4 m=30
